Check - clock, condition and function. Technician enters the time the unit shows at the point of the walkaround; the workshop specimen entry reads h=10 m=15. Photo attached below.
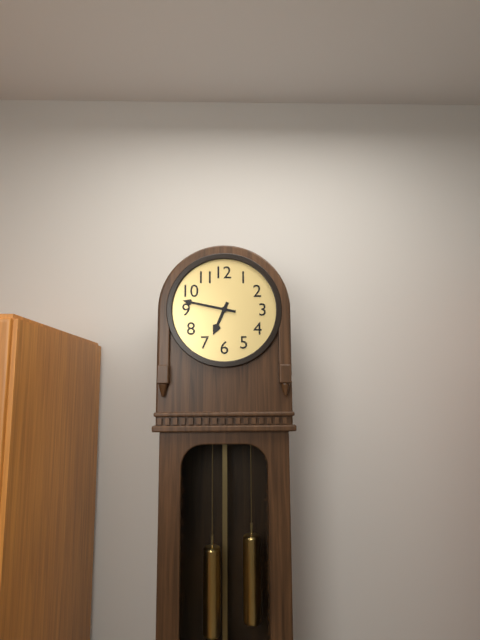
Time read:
h=6 m=47
